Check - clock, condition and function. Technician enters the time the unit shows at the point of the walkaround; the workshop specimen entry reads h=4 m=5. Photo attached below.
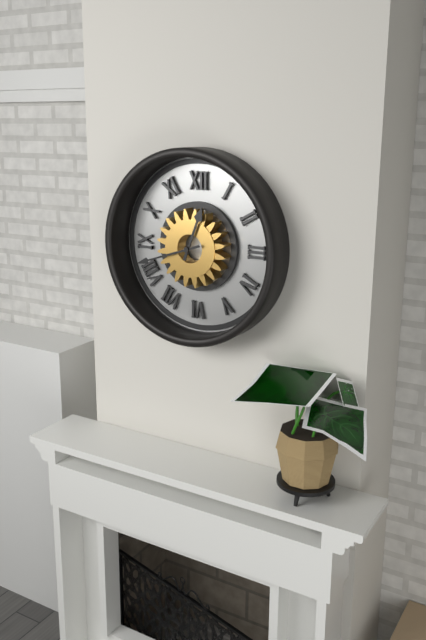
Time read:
h=12 m=42
